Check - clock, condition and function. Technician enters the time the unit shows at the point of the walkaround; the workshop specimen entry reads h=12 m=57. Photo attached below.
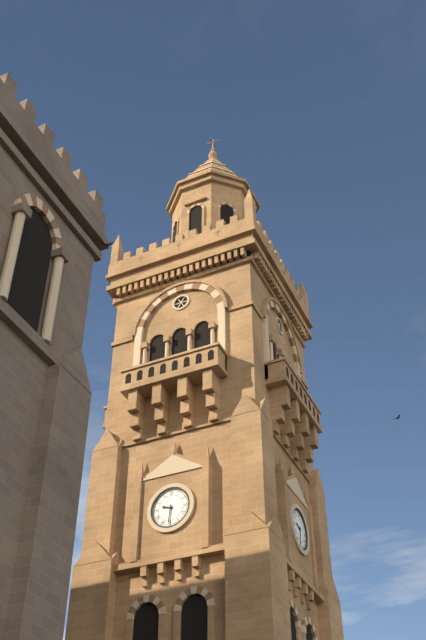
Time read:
h=9 m=31
